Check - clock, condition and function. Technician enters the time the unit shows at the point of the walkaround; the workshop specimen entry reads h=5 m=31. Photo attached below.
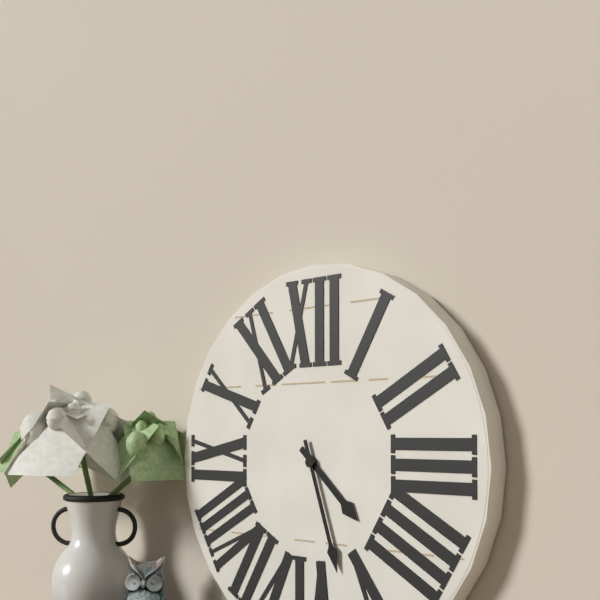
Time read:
h=4 m=27
